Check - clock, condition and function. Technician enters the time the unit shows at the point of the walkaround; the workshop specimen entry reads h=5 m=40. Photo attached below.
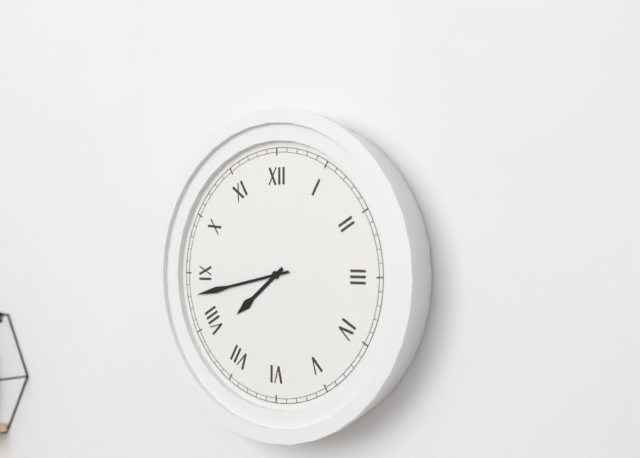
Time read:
h=7 m=43
